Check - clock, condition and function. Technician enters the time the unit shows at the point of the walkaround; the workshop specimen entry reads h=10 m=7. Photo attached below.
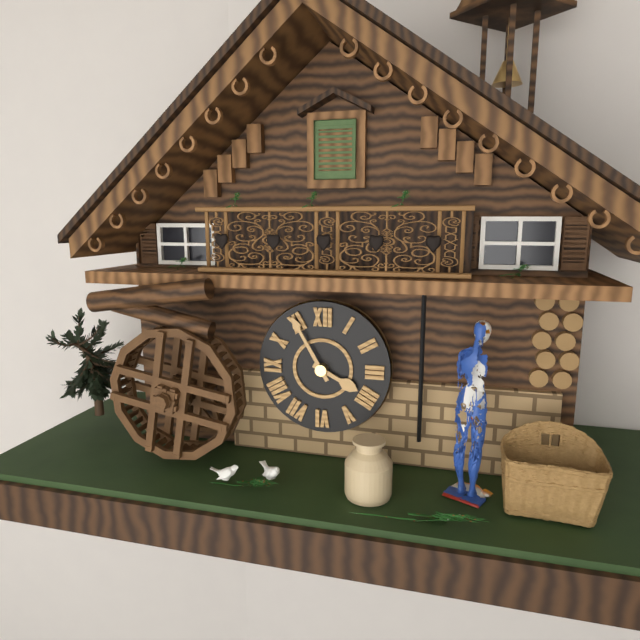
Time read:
h=3 m=55
